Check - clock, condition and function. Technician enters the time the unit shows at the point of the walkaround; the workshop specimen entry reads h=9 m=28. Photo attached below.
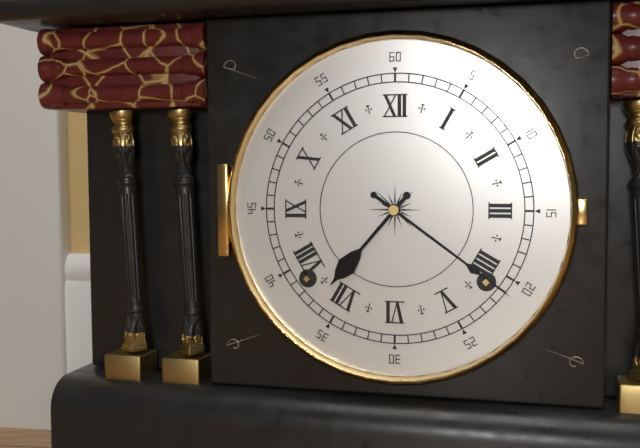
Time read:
h=7 m=21
